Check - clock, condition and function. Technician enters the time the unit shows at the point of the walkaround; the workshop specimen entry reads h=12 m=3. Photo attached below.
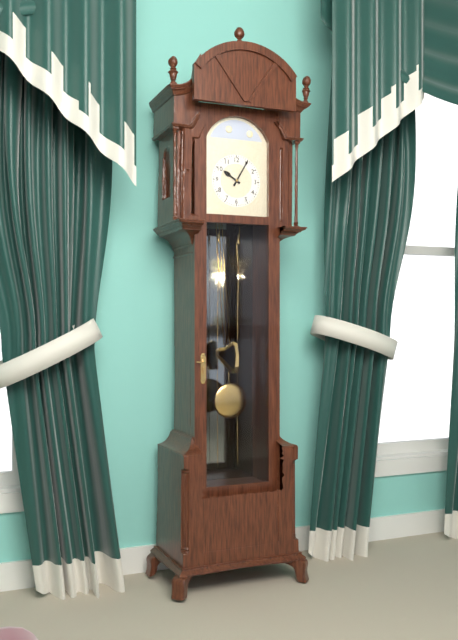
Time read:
h=10 m=5
